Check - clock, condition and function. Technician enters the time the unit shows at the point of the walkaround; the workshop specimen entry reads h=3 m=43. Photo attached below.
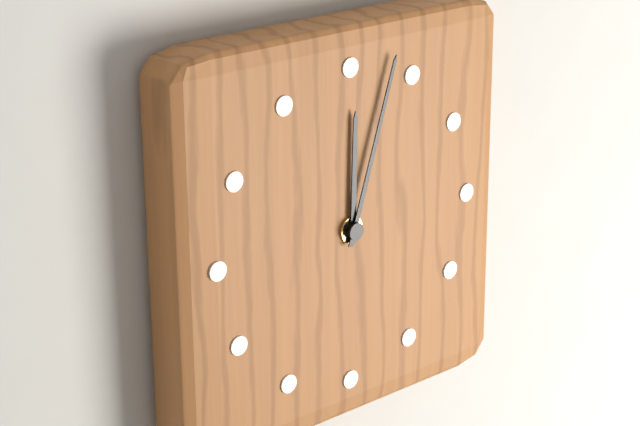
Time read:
h=12 m=3
